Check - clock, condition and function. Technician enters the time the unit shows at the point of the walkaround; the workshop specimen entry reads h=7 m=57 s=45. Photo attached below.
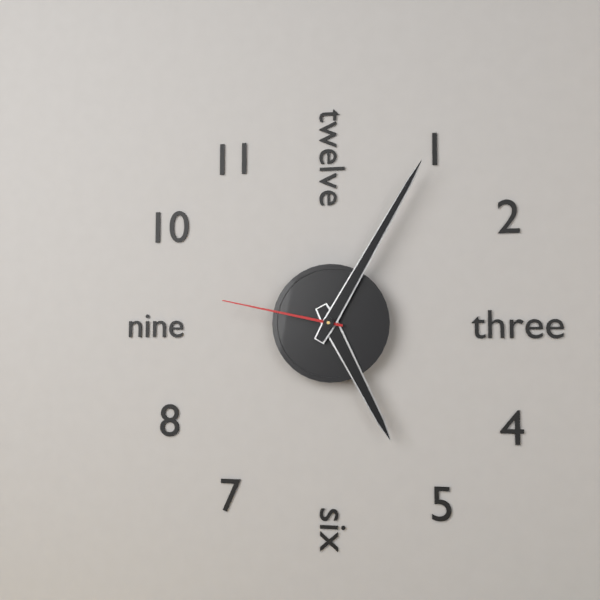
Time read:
h=5 m=5 s=47
